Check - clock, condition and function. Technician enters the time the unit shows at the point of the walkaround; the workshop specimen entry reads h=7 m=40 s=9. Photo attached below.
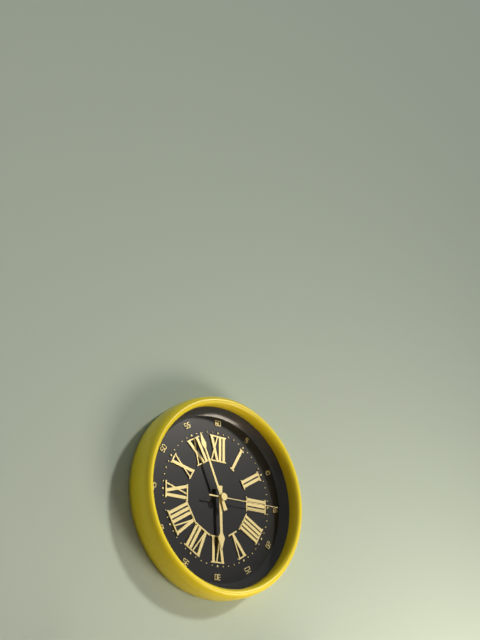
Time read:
h=5 m=56 s=15
